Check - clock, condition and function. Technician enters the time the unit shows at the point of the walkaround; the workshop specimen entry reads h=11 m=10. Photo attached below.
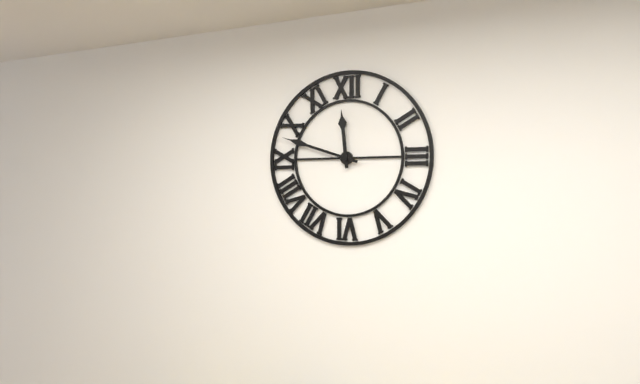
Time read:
h=11 m=48
